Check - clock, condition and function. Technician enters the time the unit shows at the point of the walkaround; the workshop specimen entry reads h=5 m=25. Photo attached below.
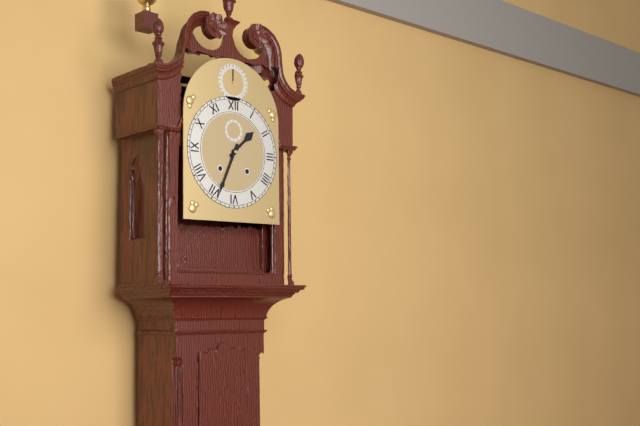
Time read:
h=1 m=34
